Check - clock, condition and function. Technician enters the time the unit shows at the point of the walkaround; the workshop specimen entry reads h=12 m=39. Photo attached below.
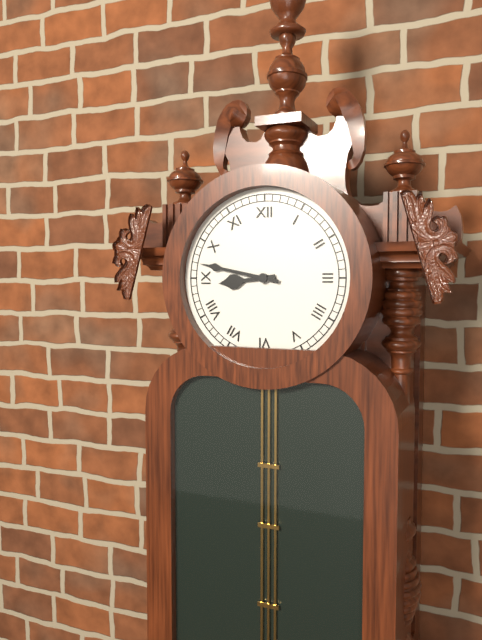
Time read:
h=8 m=47
